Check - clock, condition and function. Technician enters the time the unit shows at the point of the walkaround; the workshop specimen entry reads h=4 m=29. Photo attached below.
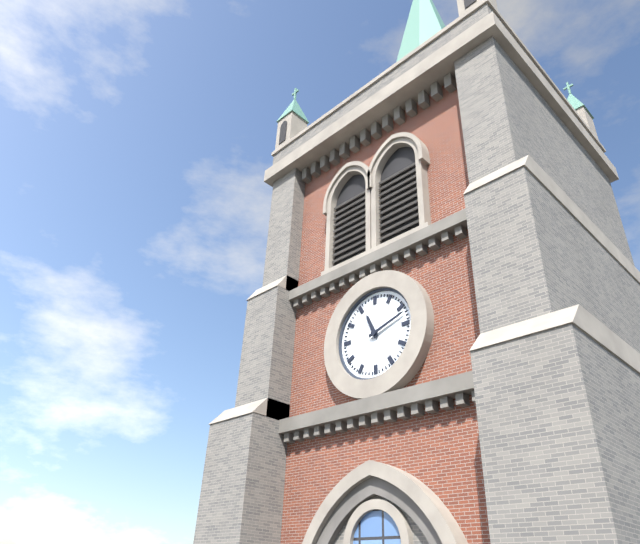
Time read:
h=11 m=12
